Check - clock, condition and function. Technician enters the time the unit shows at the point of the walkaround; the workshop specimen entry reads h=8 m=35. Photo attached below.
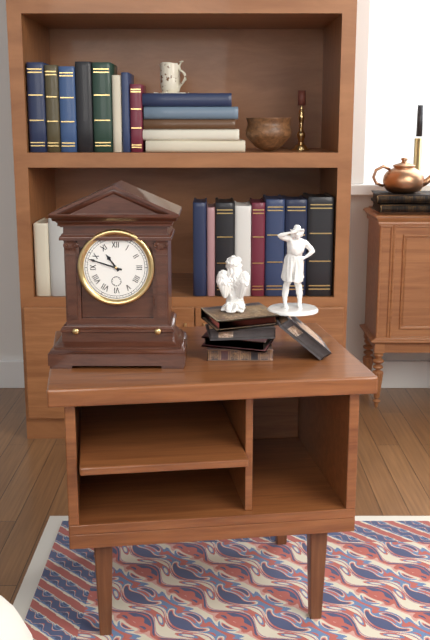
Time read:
h=10 m=48
